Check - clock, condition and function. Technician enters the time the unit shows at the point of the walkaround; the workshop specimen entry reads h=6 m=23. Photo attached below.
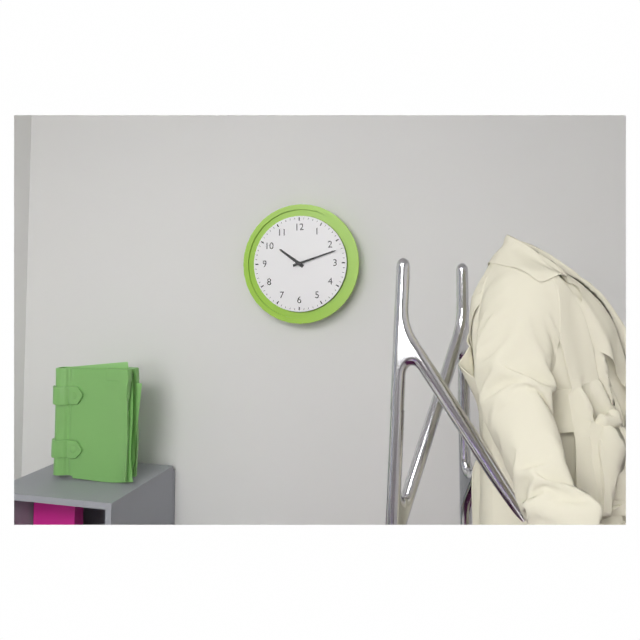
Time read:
h=10 m=12
